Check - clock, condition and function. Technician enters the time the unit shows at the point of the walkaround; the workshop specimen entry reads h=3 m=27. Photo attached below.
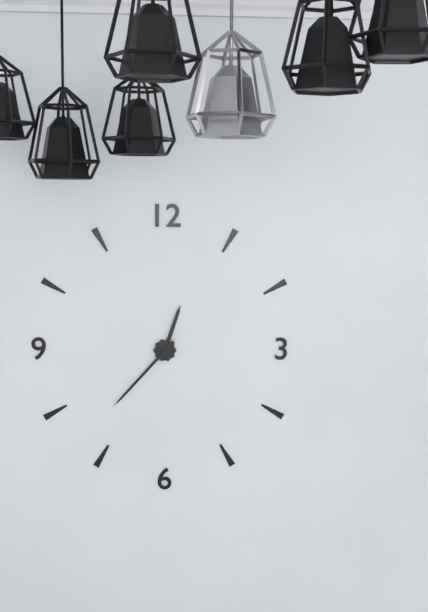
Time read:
h=12 m=37
